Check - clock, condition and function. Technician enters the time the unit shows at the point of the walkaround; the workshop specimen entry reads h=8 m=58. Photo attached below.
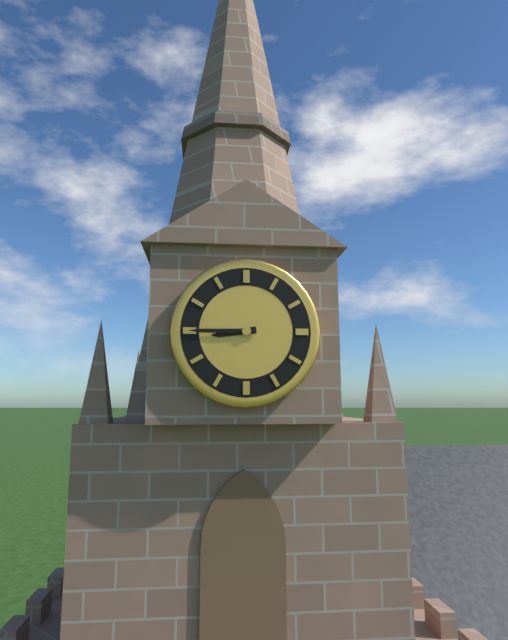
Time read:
h=8 m=45
